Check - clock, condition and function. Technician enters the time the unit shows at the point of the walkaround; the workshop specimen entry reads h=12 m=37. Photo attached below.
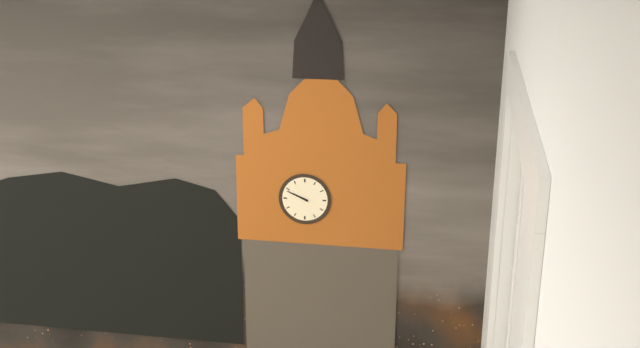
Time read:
h=9 m=49
